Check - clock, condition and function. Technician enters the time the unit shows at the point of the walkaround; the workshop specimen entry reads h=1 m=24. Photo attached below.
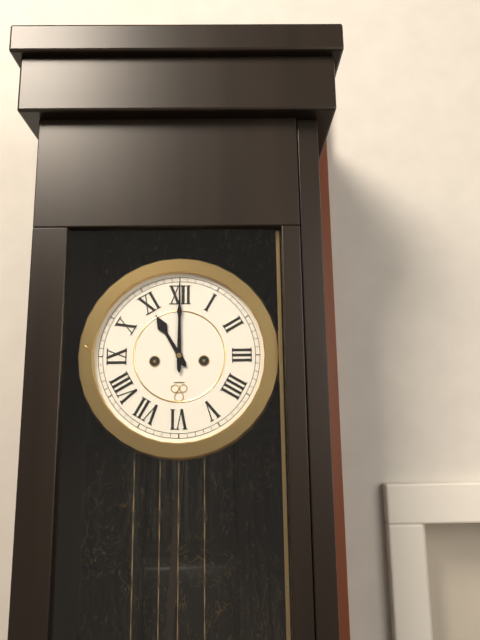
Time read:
h=11 m=0
